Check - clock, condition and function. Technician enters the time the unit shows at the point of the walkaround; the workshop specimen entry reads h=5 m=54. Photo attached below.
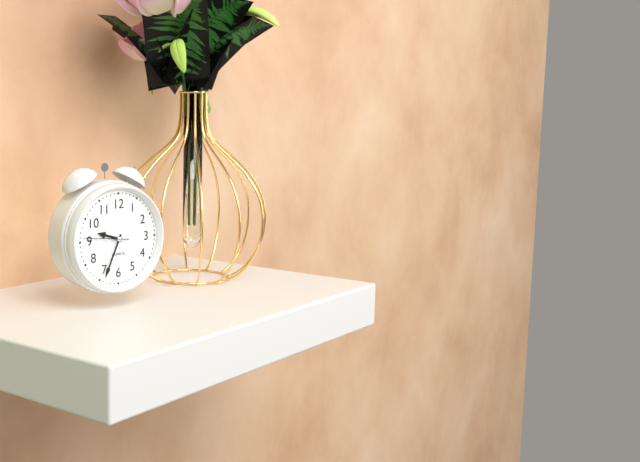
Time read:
h=9 m=34
